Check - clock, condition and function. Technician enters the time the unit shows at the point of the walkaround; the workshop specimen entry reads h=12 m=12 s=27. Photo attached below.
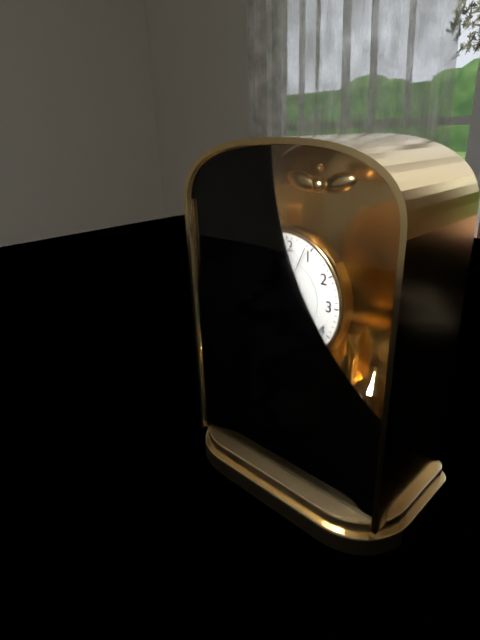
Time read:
h=7 m=22 s=4
